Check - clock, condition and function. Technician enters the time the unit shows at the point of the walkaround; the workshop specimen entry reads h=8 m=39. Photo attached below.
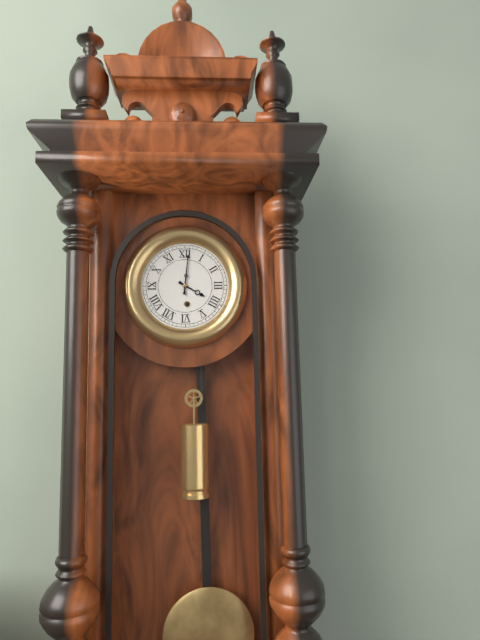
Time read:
h=4 m=1
